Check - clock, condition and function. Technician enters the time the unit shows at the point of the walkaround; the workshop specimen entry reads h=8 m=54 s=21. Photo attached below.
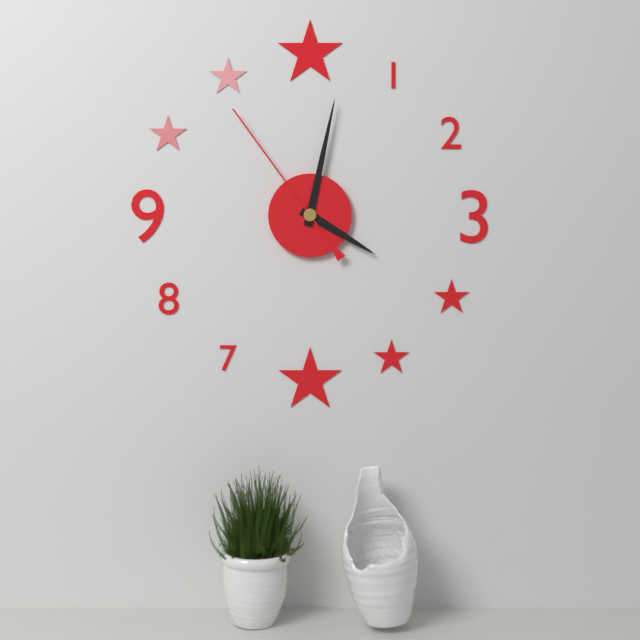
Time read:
h=4 m=2 s=54
